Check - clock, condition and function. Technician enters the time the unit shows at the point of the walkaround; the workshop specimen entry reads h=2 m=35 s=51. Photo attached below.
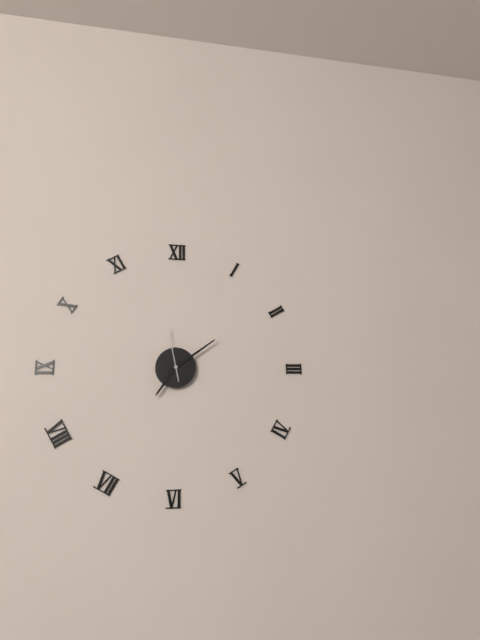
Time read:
h=7 m=9 s=58
